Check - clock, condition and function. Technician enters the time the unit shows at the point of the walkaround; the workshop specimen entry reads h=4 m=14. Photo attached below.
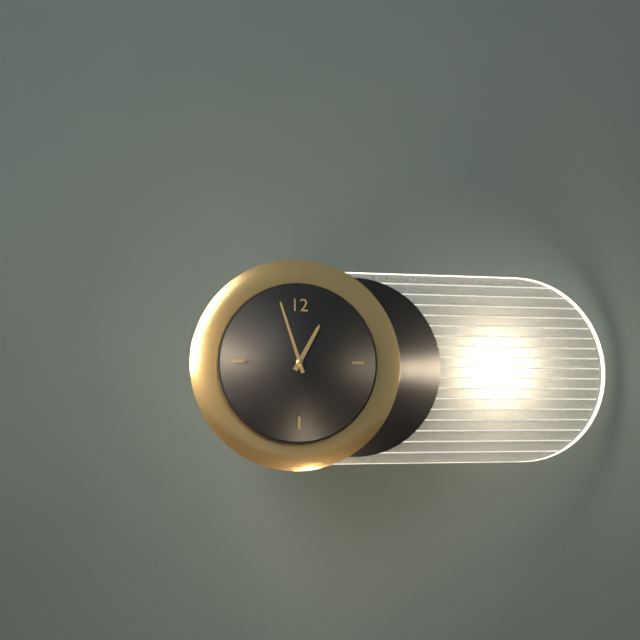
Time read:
h=12 m=57
